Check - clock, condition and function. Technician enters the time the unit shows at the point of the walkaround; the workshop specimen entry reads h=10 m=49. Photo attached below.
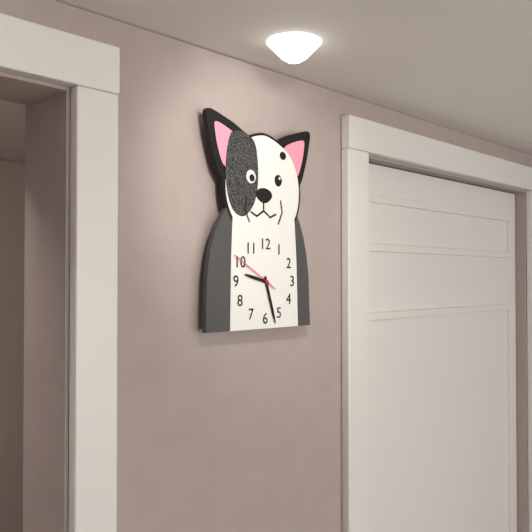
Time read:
h=9 m=27
